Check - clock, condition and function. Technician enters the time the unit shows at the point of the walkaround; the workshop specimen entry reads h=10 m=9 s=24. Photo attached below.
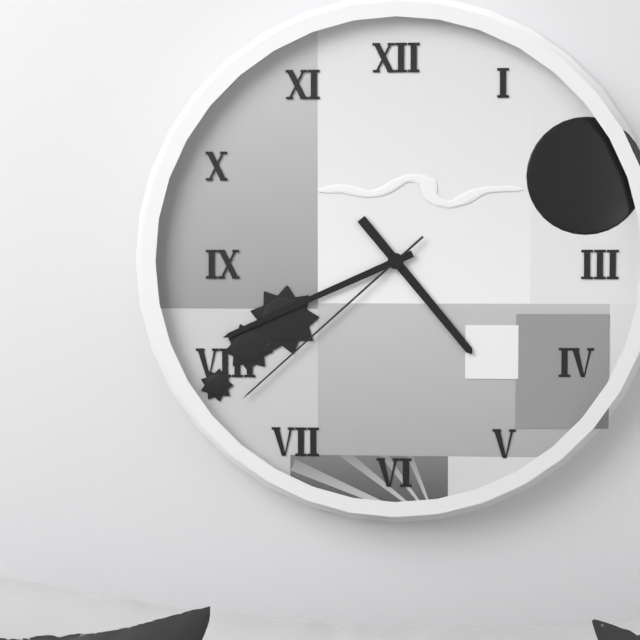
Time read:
h=4 m=41 s=38
